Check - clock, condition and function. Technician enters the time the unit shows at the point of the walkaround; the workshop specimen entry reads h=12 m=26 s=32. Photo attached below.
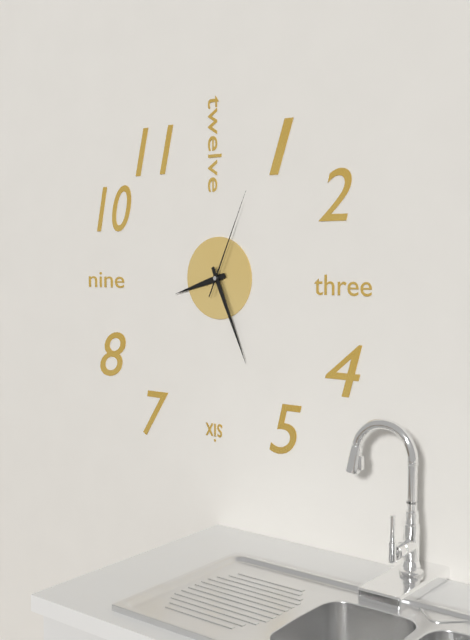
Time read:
h=8 m=26 s=4
